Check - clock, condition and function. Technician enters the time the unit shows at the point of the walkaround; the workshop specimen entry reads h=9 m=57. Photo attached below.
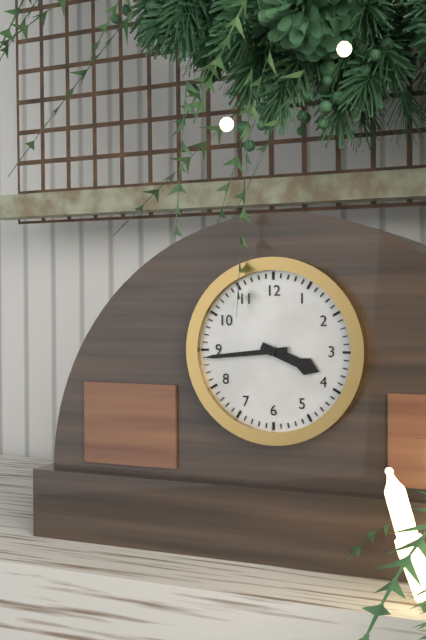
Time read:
h=3 m=44
